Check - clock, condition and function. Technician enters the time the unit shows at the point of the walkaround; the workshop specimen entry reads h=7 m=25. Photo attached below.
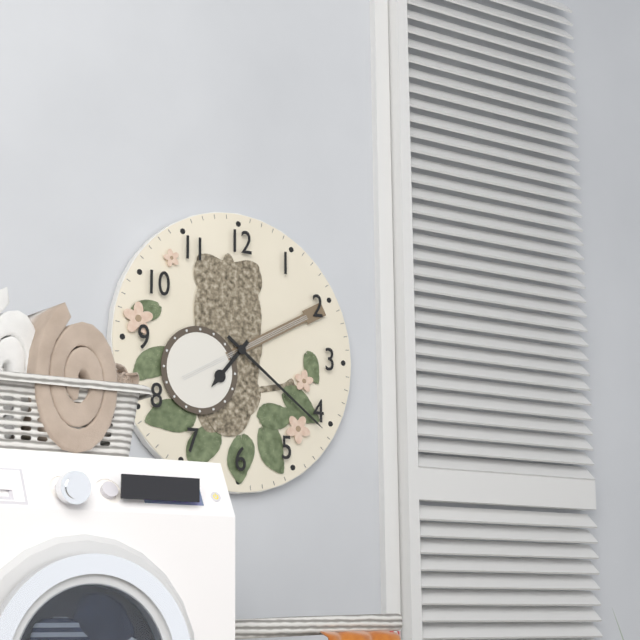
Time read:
h=7 m=21
